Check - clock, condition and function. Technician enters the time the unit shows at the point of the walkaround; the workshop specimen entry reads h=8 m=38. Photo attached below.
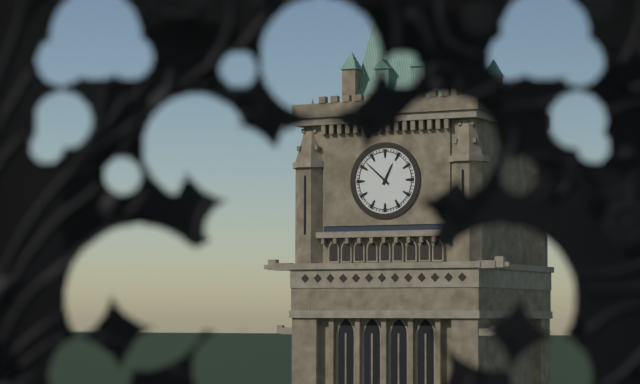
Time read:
h=12 m=52
